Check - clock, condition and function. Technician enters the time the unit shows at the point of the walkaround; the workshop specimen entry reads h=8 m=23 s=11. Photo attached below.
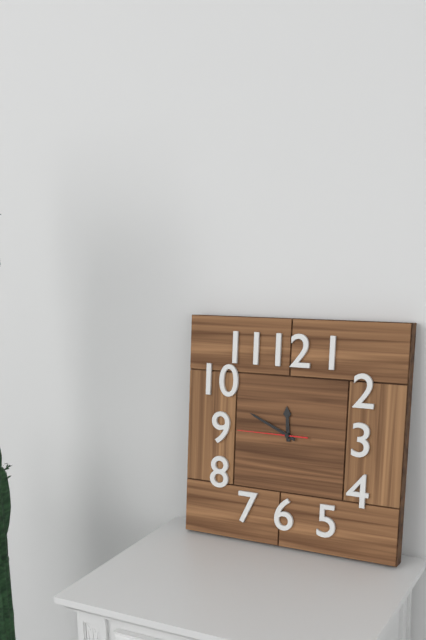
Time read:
h=11 m=49 s=45
